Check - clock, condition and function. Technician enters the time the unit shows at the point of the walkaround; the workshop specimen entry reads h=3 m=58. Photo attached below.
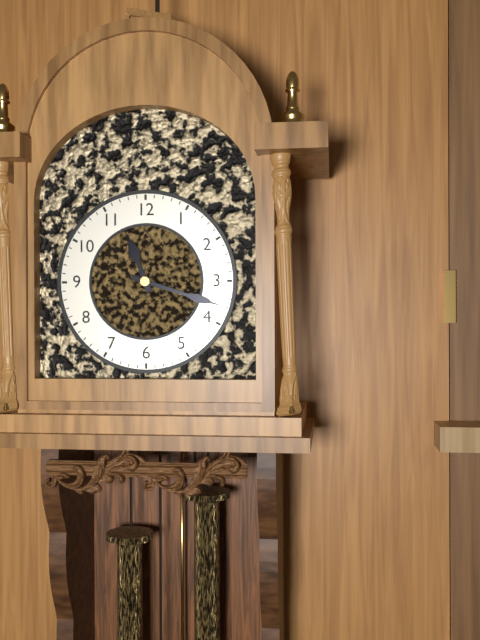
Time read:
h=11 m=18
